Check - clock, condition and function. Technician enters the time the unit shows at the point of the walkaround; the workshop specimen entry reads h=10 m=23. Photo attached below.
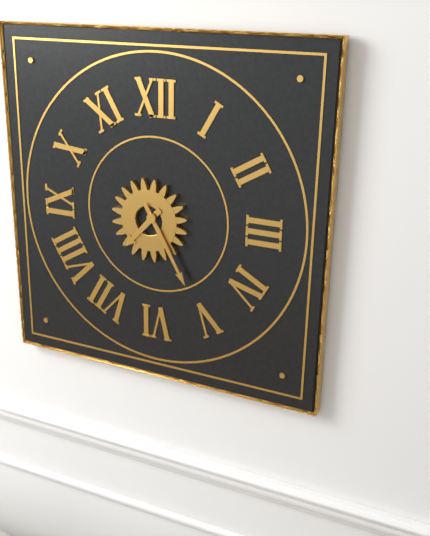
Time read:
h=7 m=25
